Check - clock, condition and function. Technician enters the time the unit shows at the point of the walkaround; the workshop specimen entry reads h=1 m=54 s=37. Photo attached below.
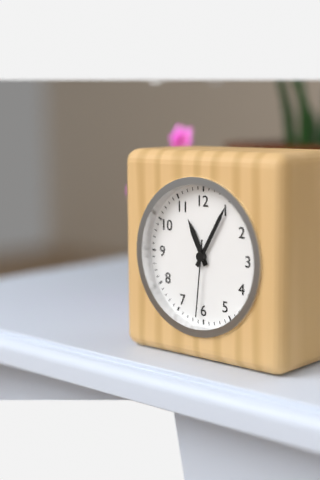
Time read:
h=11 m=5 s=31
